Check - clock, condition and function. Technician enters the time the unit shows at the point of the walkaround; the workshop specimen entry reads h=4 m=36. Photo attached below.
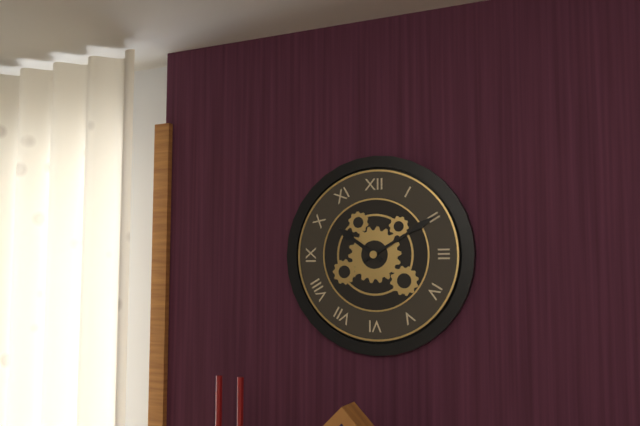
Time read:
h=10 m=10
